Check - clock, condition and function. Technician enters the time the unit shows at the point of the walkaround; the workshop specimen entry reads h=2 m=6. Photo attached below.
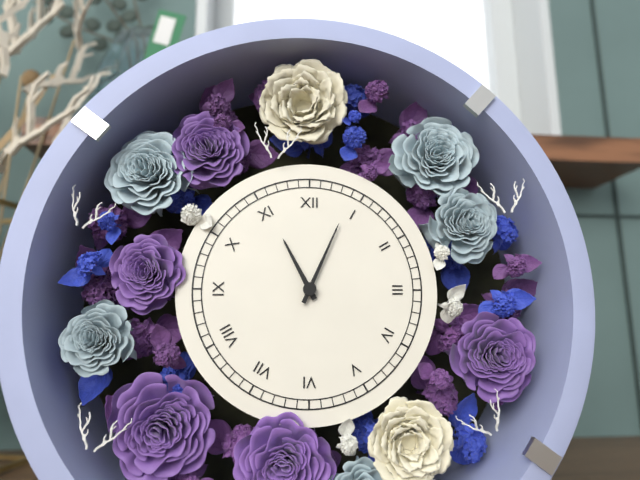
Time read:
h=11 m=4
